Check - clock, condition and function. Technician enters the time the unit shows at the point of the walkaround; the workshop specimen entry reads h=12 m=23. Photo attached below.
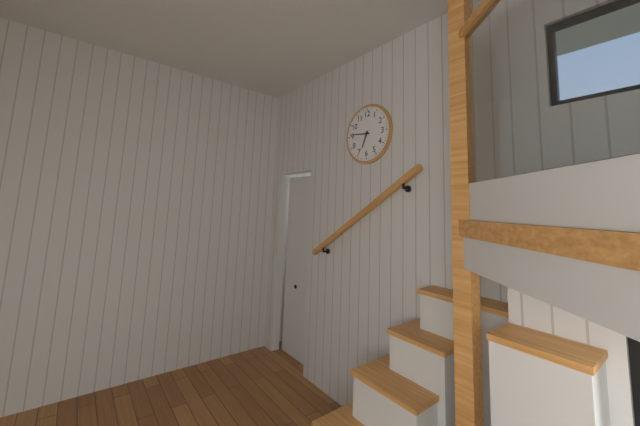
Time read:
h=6 m=46
